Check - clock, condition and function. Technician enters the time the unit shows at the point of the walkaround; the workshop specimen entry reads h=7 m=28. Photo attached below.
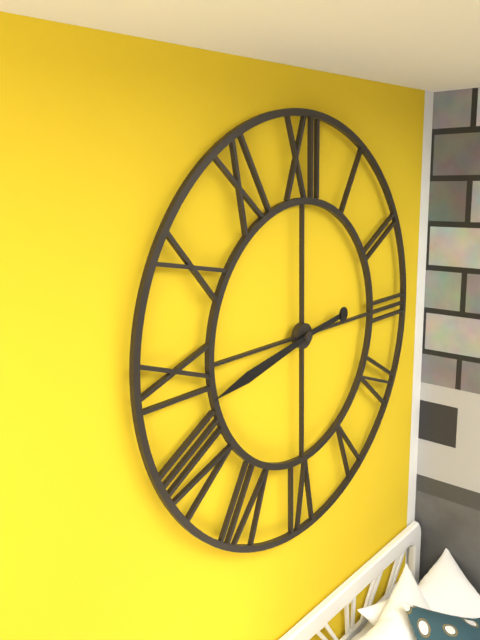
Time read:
h=2 m=43
